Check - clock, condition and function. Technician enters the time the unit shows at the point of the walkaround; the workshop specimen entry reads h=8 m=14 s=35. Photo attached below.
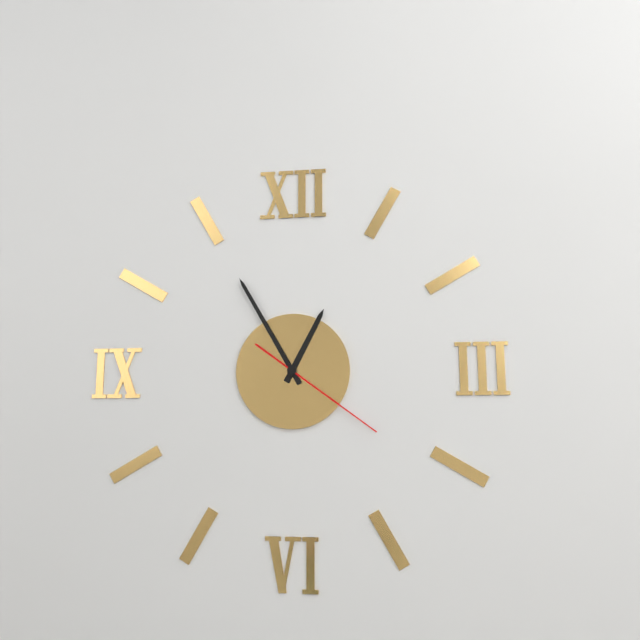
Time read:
h=12 m=55 s=21
